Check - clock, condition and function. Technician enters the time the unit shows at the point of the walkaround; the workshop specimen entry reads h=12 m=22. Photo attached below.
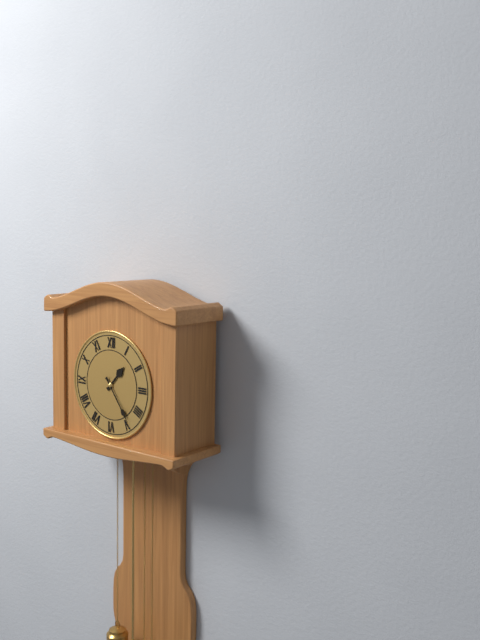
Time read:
h=1 m=24
